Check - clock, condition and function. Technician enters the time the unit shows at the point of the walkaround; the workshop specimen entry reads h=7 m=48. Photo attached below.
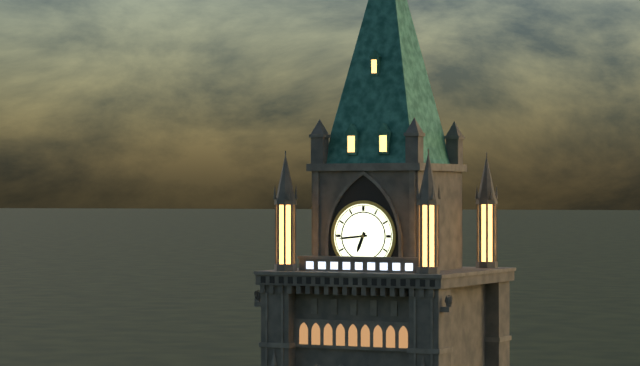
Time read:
h=6 m=44
